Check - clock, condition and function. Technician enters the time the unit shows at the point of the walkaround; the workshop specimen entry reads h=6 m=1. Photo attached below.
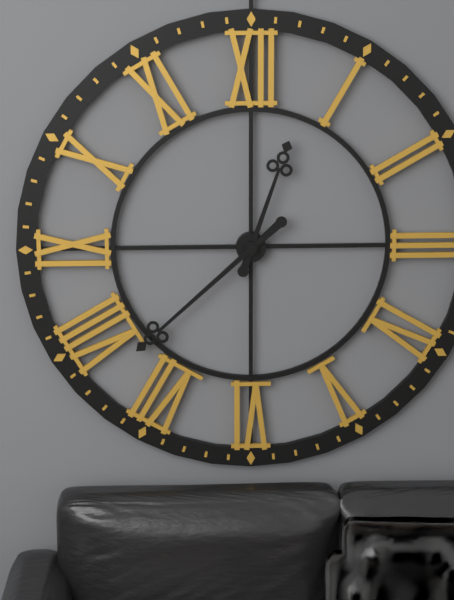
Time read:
h=12 m=38
